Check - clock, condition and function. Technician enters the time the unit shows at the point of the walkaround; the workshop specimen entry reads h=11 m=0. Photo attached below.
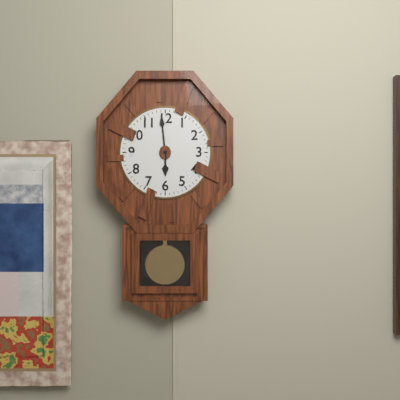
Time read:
h=5 m=59
